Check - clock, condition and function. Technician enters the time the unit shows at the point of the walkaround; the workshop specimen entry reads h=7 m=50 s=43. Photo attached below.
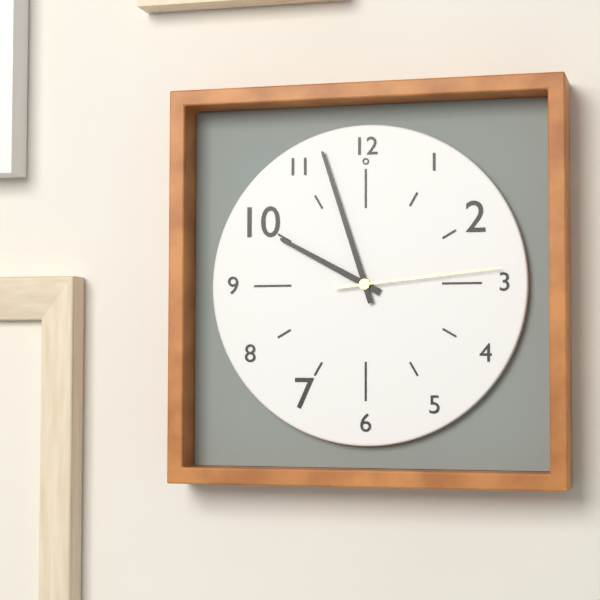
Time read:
h=9 m=57 s=14
